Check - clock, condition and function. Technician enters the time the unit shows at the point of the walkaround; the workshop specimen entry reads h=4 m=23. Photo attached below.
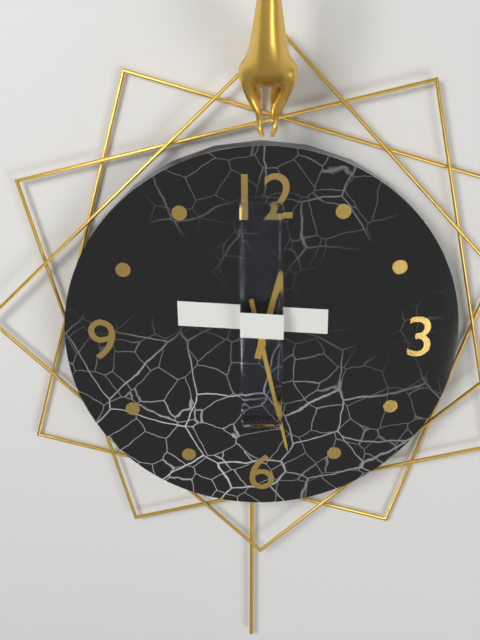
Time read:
h=12 m=28
